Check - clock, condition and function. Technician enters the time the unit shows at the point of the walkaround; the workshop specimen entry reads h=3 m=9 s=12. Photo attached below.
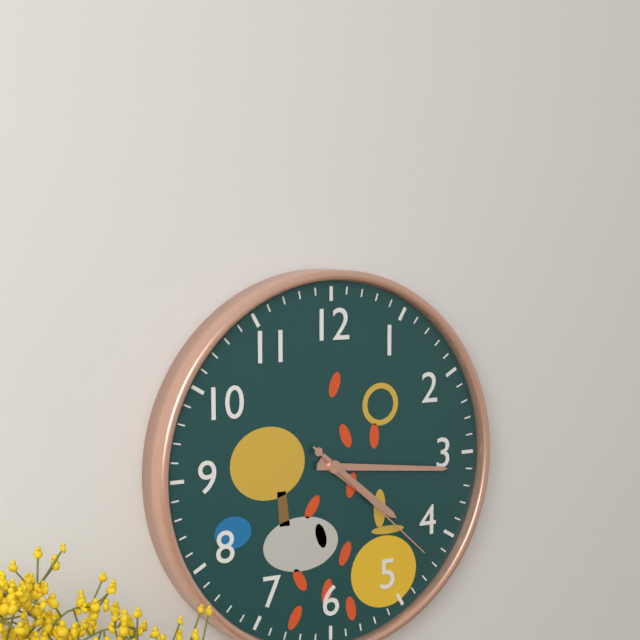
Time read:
h=4 m=16 s=22
